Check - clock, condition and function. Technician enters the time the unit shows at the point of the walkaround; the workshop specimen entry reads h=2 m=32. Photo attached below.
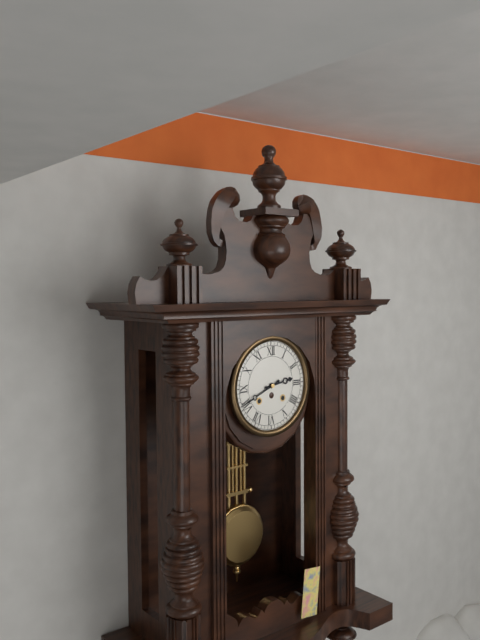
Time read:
h=2 m=41
